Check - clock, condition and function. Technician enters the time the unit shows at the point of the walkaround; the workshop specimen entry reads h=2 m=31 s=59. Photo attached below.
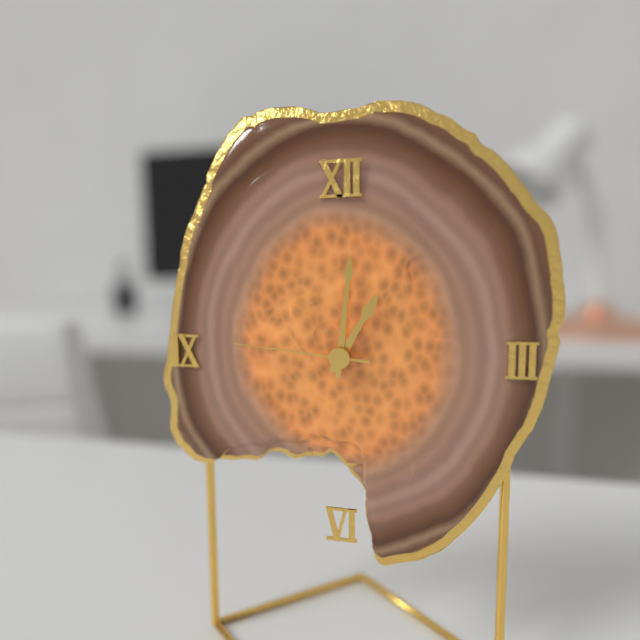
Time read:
h=1 m=1 s=46
